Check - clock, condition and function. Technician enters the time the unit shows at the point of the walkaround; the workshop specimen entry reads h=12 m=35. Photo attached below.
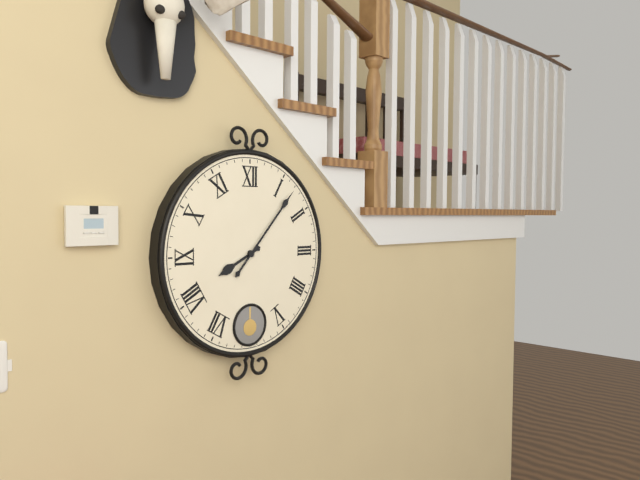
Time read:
h=8 m=7
